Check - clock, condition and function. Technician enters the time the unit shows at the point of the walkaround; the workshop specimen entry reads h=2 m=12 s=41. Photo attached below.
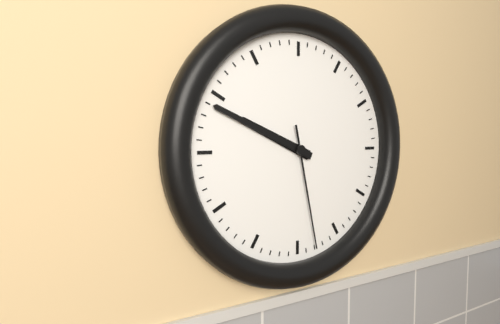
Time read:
h=9 m=49 s=28
